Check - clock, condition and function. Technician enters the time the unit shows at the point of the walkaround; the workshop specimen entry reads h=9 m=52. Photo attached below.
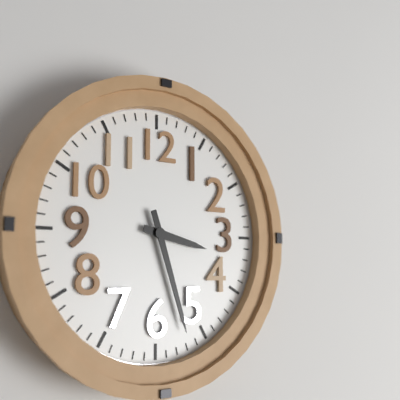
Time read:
h=3 m=27
